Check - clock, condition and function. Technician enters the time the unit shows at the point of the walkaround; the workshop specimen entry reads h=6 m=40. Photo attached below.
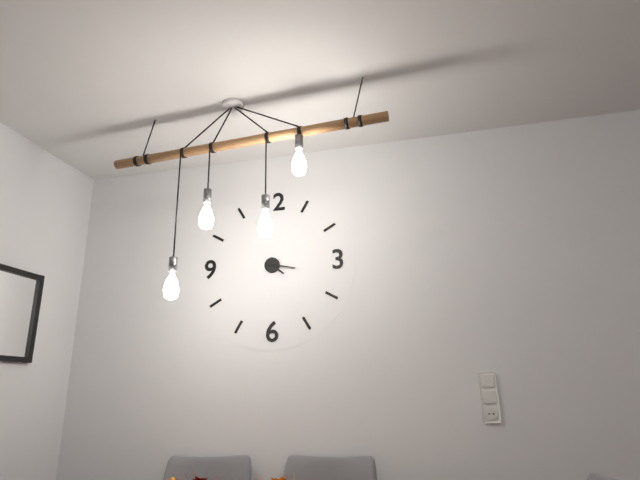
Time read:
h=4 m=17
